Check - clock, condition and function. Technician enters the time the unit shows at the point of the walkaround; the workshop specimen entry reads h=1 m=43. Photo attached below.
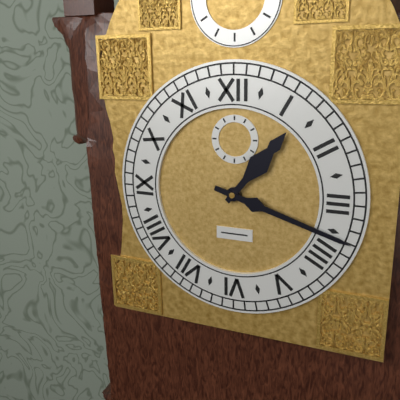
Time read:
h=1 m=18
